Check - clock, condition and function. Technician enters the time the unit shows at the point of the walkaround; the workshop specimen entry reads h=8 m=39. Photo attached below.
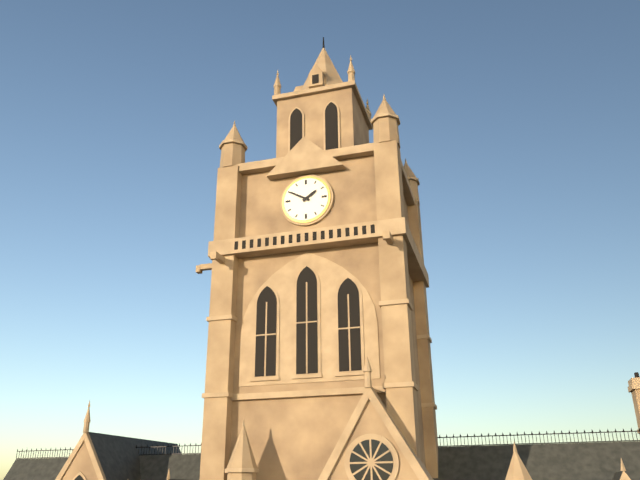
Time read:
h=1 m=50
